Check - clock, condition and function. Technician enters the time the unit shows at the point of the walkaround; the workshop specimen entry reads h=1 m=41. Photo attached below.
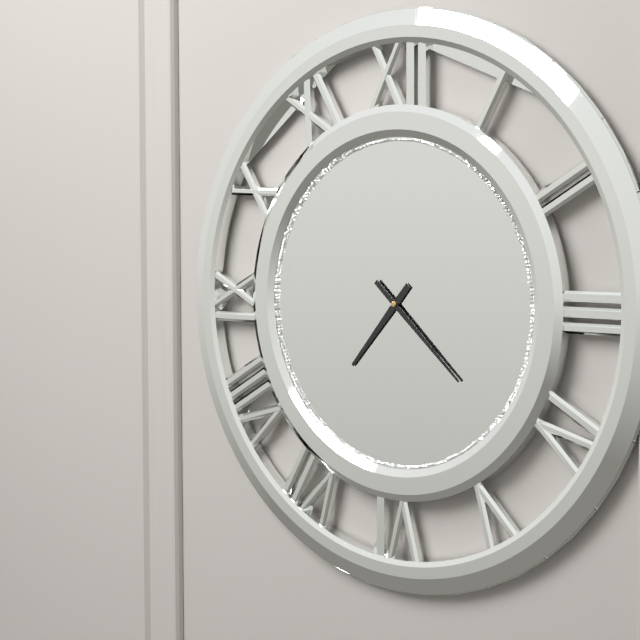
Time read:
h=7 m=22
